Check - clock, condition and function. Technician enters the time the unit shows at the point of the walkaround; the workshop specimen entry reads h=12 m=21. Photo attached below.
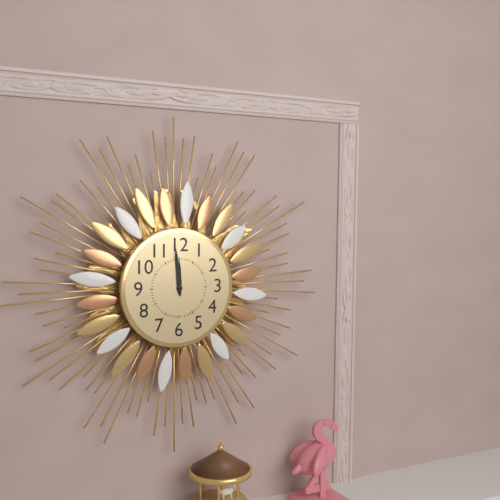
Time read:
h=11 m=59
